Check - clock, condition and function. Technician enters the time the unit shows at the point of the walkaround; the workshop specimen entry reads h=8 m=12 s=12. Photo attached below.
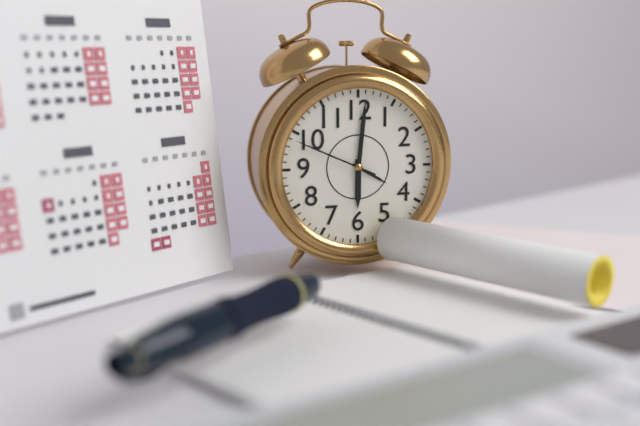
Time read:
h=6 m=1 s=49
